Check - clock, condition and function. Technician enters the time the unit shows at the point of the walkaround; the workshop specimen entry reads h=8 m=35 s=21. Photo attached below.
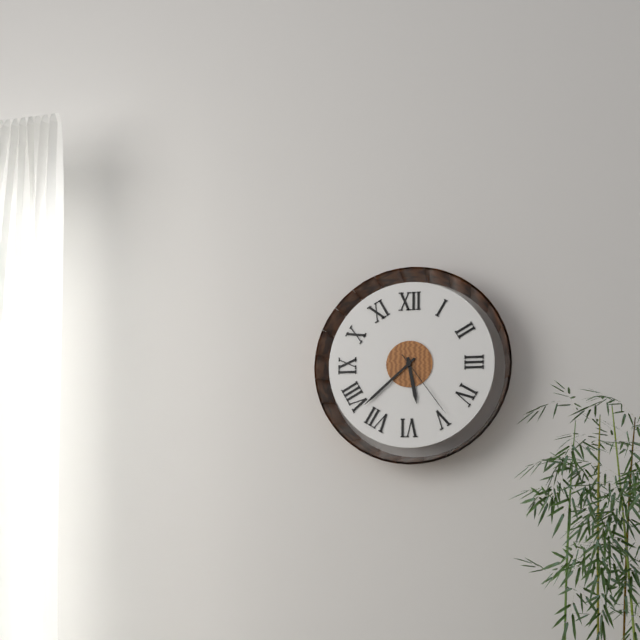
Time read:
h=5 m=38 s=24
